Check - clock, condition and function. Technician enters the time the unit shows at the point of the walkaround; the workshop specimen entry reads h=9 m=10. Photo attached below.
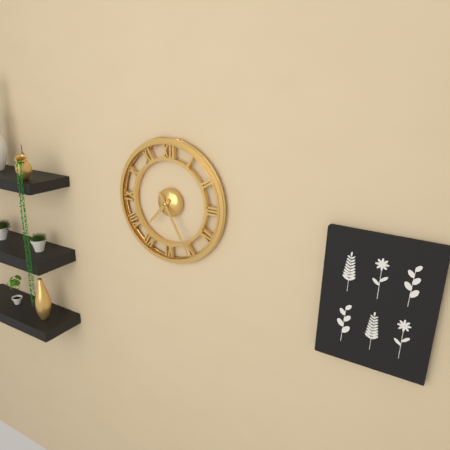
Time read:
h=7 m=25
